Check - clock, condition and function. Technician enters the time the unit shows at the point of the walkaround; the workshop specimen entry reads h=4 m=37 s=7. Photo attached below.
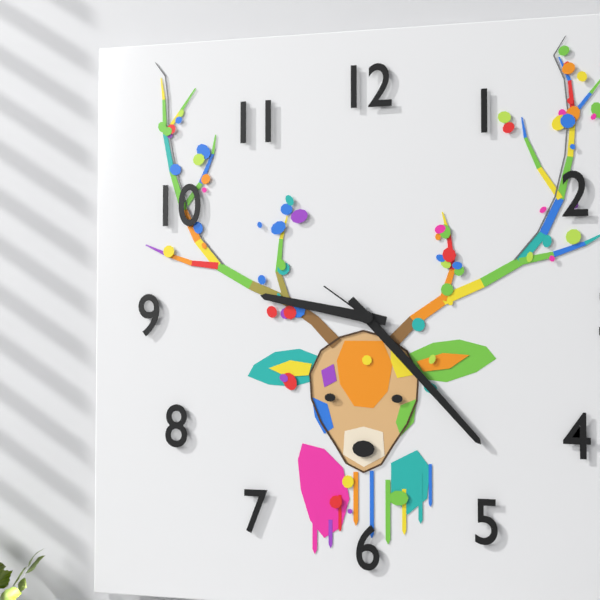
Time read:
h=9 m=23 s=51
